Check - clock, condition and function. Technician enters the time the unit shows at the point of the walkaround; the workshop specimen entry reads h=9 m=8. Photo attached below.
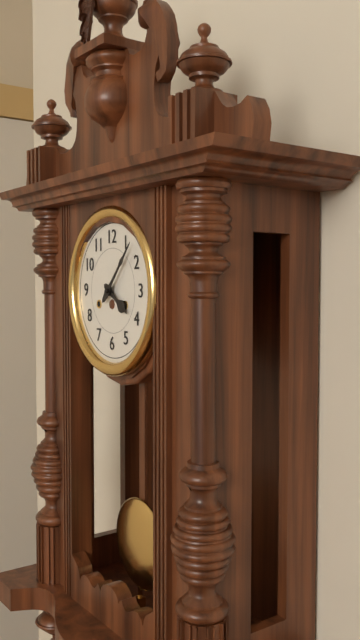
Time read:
h=4 m=7
